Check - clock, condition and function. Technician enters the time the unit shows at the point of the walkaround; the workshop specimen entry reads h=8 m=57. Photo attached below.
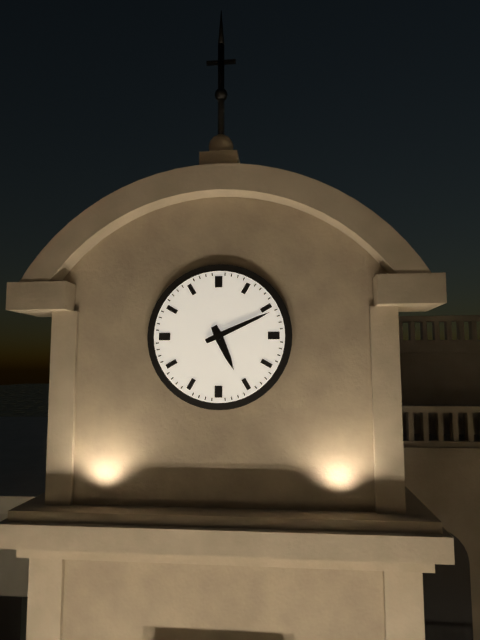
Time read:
h=5 m=11
